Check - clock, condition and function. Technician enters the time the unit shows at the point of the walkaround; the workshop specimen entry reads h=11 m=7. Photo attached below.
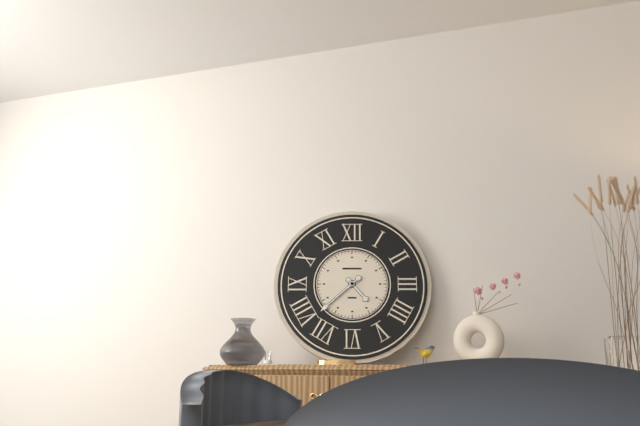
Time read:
h=4 m=38
